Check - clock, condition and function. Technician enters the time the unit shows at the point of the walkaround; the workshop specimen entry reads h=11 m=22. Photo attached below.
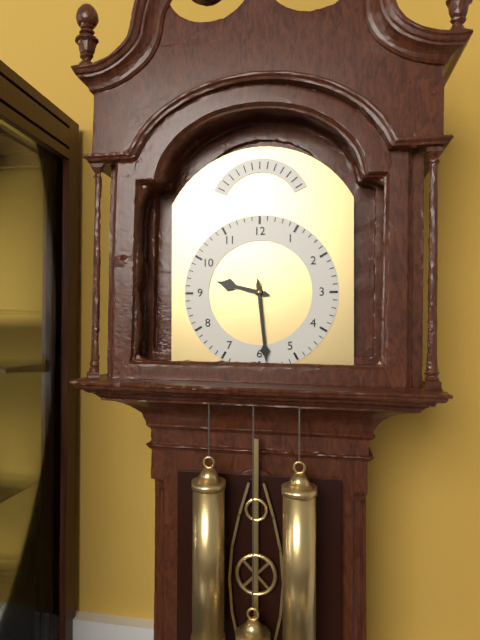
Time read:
h=9 m=29
